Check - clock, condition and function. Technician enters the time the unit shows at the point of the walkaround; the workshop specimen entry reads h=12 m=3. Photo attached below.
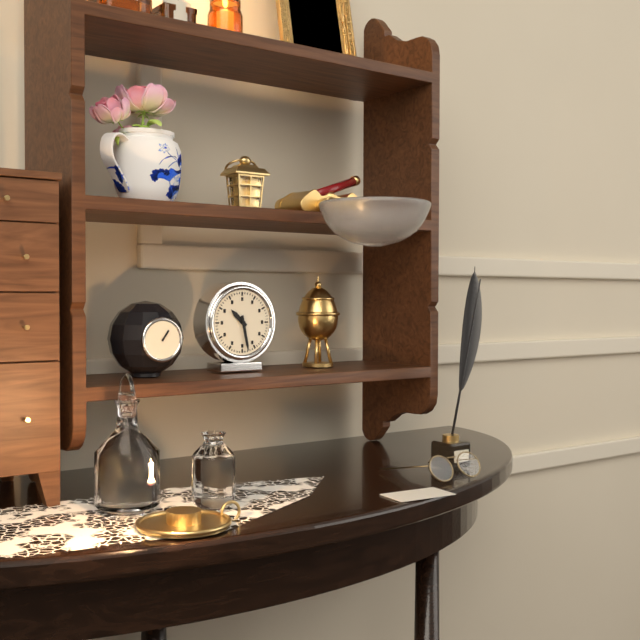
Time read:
h=10 m=28
